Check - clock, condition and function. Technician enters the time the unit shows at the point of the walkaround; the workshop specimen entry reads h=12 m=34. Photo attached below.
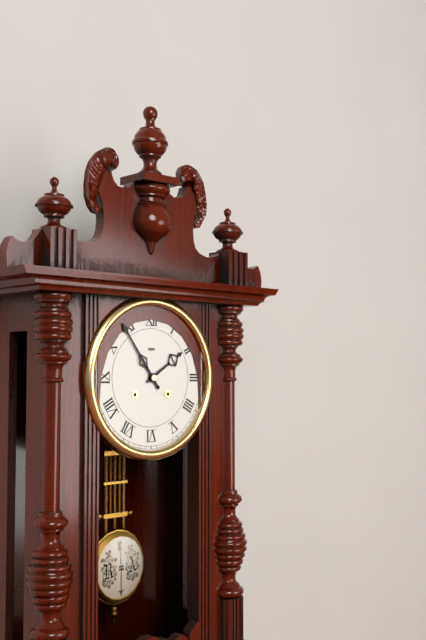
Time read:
h=1 m=54
